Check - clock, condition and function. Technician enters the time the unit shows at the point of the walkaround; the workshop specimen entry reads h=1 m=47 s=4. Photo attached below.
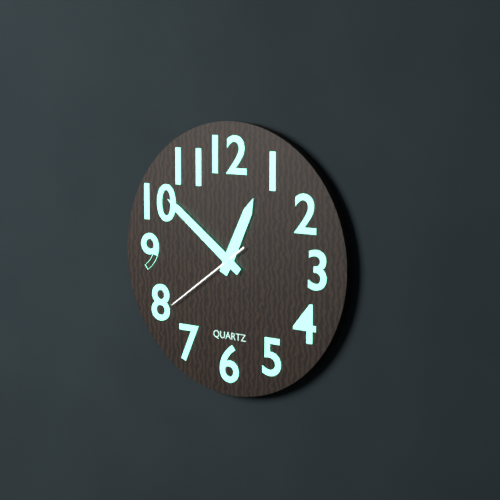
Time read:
h=12 m=51 s=39
